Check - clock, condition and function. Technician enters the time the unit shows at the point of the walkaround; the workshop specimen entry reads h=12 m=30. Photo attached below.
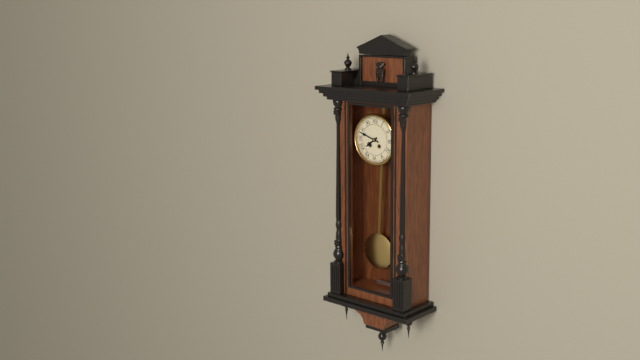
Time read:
h=7 m=48
